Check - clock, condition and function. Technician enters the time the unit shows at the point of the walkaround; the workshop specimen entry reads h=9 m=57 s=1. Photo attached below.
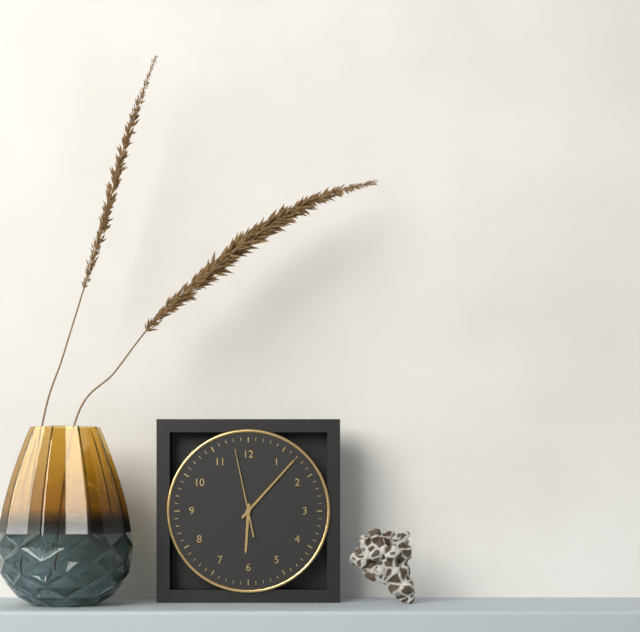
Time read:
h=6 m=7 s=58
